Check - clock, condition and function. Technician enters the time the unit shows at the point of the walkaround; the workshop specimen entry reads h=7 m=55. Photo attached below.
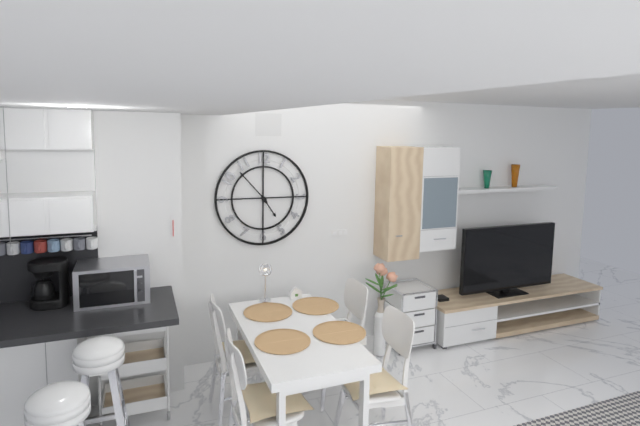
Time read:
h=4 m=53
